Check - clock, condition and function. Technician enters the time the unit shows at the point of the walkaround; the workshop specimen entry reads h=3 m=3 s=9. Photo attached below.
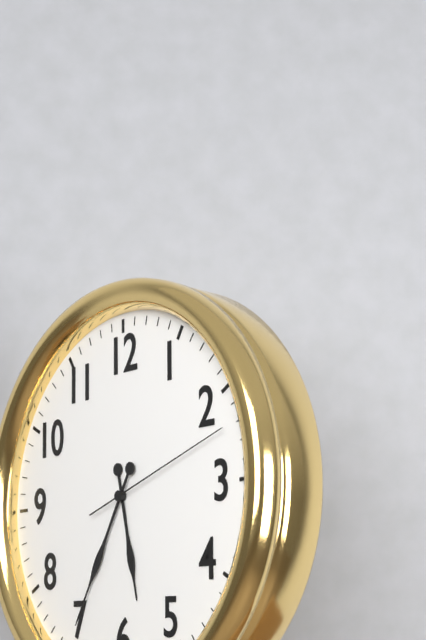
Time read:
h=5 m=35 s=12
